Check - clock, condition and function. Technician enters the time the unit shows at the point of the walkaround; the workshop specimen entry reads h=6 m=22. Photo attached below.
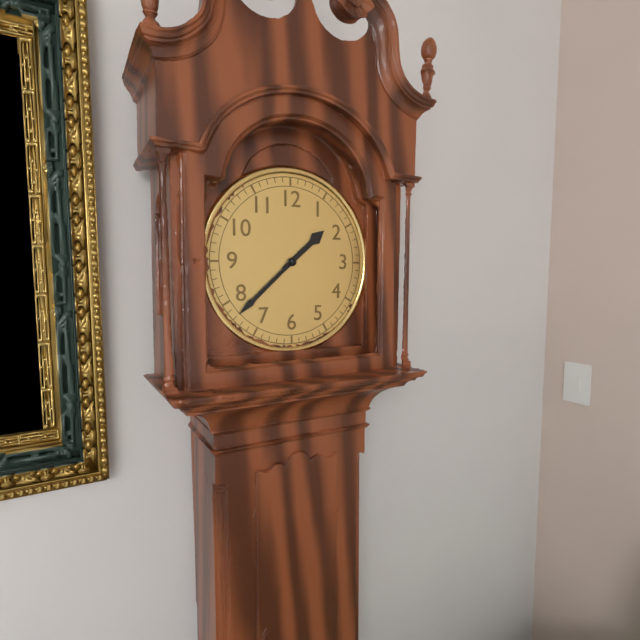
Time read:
h=1 m=38
